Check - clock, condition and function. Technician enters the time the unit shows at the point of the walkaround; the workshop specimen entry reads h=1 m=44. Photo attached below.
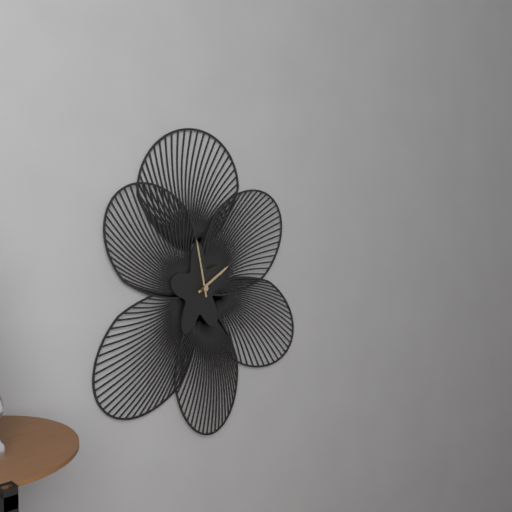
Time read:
h=1 m=58
